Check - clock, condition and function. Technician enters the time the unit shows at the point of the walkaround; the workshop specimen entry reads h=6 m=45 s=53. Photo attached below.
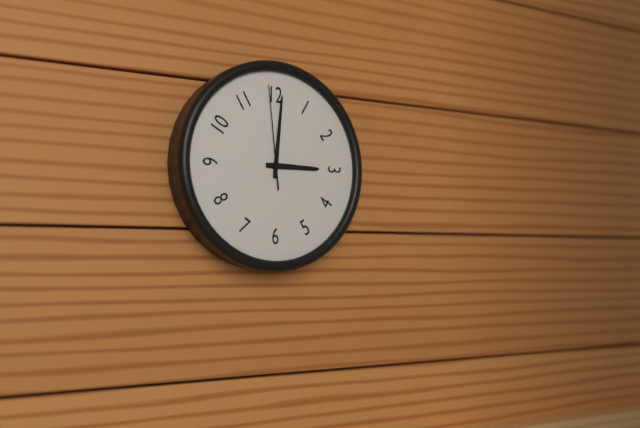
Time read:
h=3 m=1 s=59
